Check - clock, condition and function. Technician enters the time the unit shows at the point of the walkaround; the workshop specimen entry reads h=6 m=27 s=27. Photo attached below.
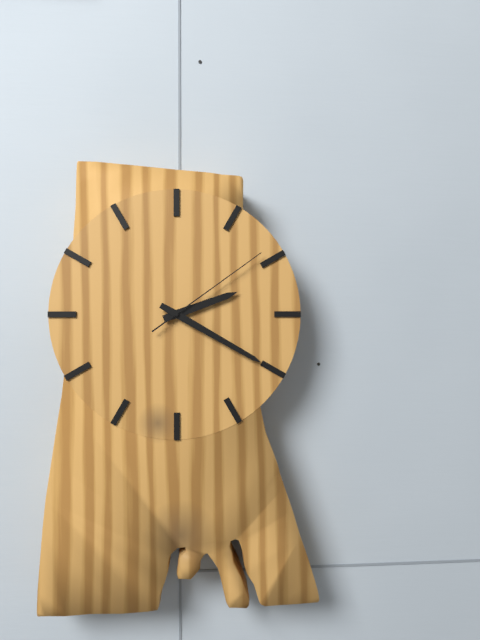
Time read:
h=2 m=20 s=9
